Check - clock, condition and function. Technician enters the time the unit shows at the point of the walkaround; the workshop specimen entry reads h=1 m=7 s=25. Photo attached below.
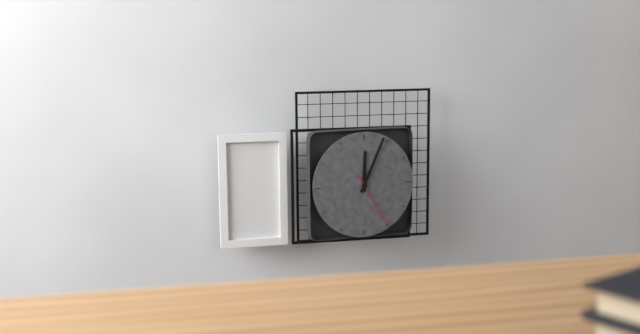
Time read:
h=12 m=4 s=25
